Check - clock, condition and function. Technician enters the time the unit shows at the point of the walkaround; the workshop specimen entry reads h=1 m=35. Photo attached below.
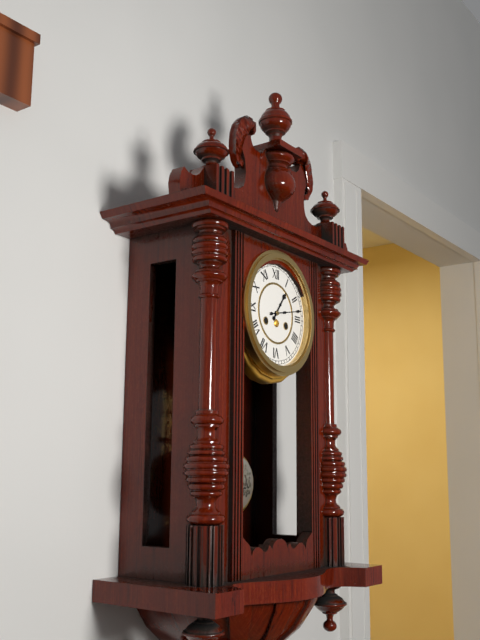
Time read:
h=1 m=13
